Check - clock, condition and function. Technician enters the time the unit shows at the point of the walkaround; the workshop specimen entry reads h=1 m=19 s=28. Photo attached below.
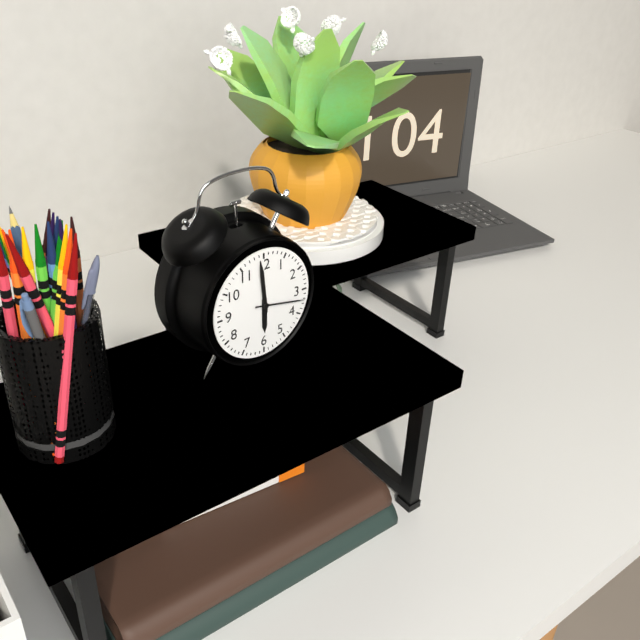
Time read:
h=5 m=59 s=17
